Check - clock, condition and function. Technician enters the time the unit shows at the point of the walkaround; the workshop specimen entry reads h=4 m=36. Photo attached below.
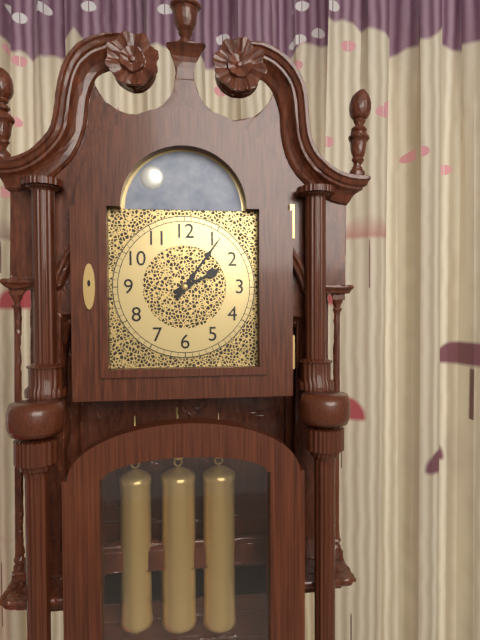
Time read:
h=2 m=6
